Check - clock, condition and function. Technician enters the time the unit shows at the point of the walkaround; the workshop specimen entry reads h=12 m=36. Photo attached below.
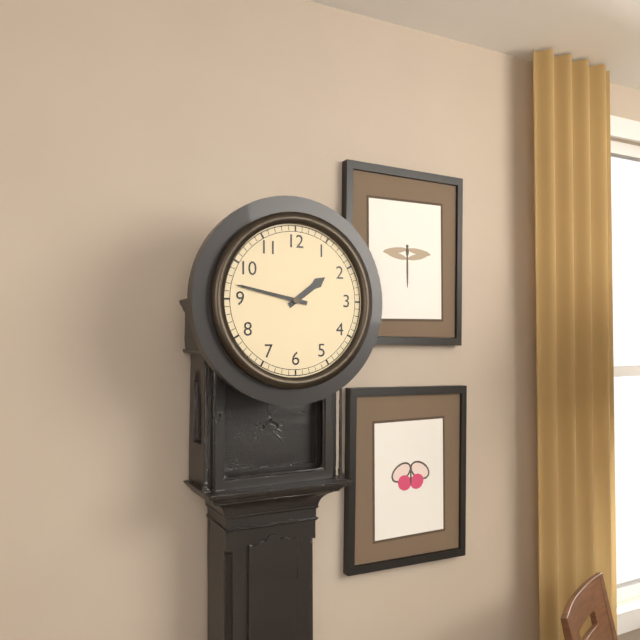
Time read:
h=1 m=47
